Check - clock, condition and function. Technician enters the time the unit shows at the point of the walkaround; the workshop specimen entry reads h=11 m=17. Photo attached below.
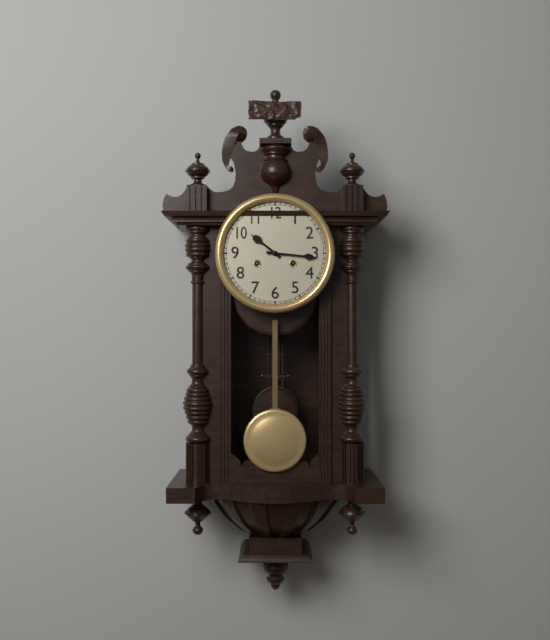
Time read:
h=10 m=16
